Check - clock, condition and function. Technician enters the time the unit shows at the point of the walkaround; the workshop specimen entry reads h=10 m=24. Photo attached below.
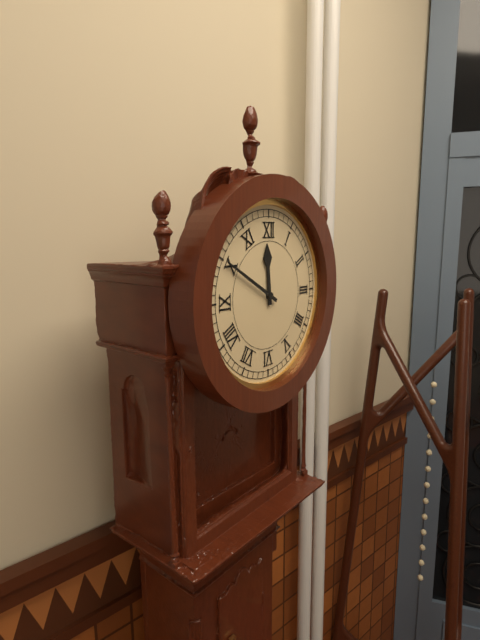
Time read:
h=11 m=50
